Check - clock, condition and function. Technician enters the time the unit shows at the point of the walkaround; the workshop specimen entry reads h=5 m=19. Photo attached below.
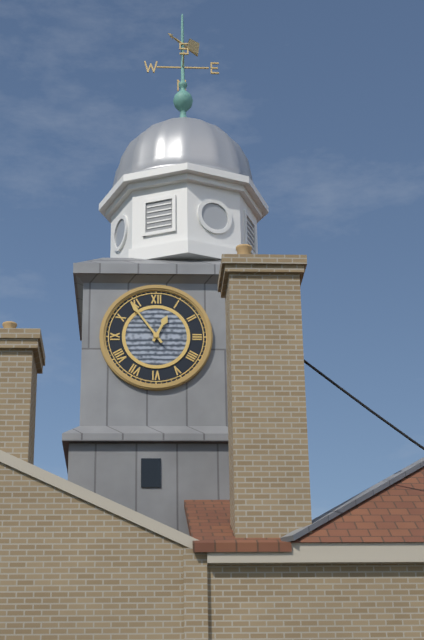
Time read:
h=12 m=54
